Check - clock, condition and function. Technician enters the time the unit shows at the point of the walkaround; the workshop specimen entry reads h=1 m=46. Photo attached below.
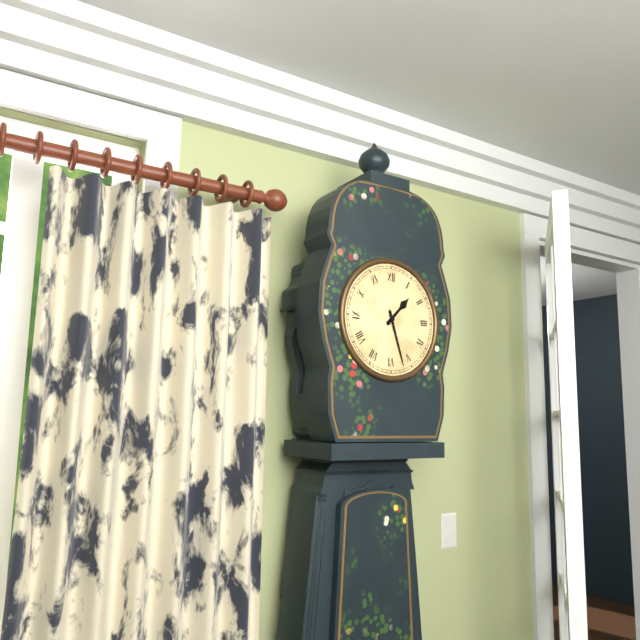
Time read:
h=1 m=27
